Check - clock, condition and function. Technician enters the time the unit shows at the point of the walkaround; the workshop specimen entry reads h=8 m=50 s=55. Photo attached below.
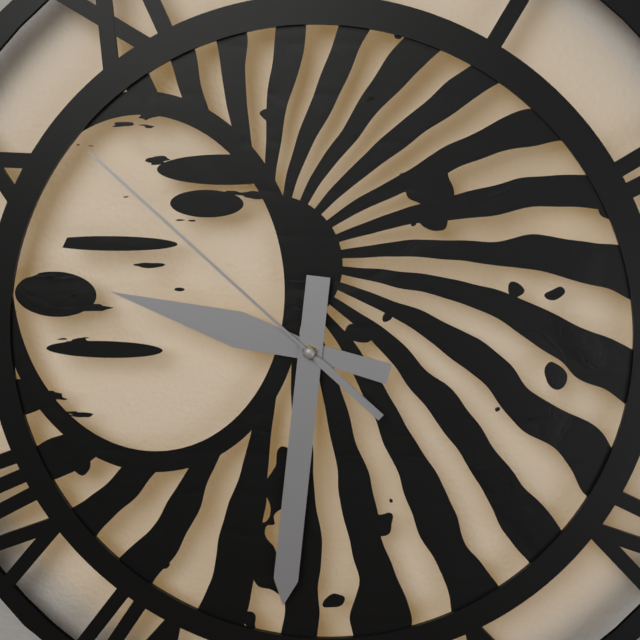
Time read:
h=9 m=31 s=52
